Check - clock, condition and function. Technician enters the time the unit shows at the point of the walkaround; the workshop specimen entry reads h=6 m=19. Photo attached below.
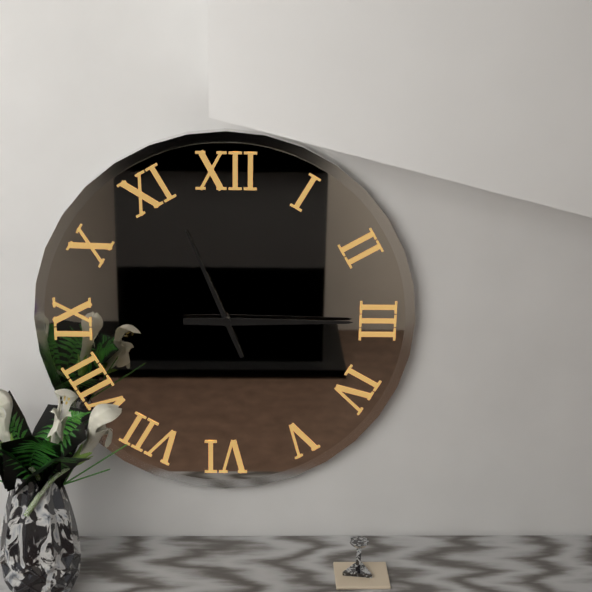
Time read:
h=11 m=15
